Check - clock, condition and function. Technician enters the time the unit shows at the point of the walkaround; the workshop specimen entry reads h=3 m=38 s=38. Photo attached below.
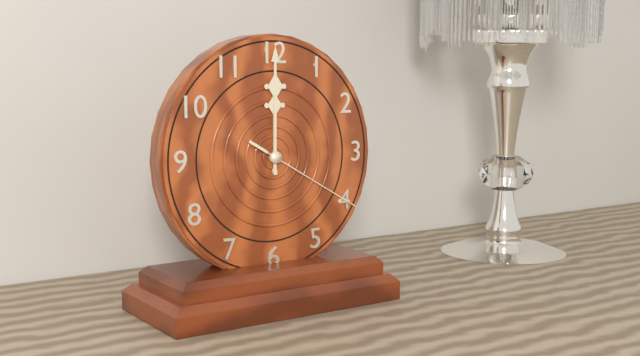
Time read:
h=12 m=0 s=20
